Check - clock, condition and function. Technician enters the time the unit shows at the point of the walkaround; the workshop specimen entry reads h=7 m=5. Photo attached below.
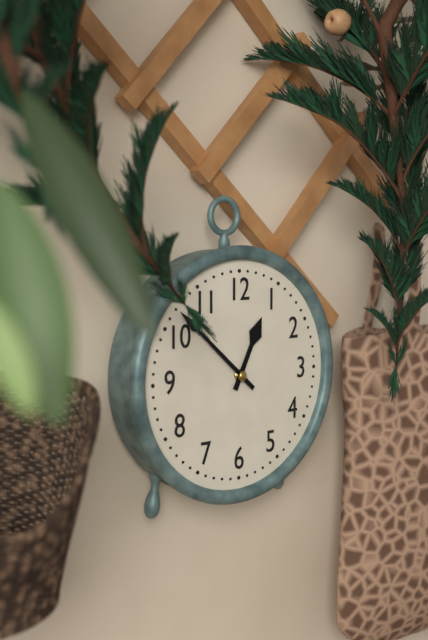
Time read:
h=12 m=52
